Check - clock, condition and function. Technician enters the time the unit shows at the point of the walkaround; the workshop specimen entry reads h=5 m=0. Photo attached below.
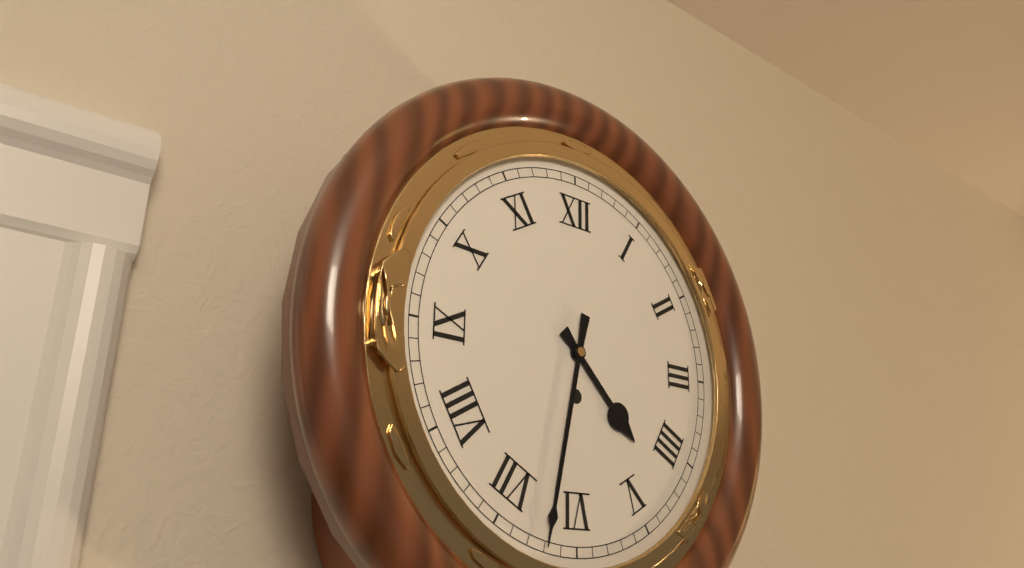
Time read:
h=4 m=32
